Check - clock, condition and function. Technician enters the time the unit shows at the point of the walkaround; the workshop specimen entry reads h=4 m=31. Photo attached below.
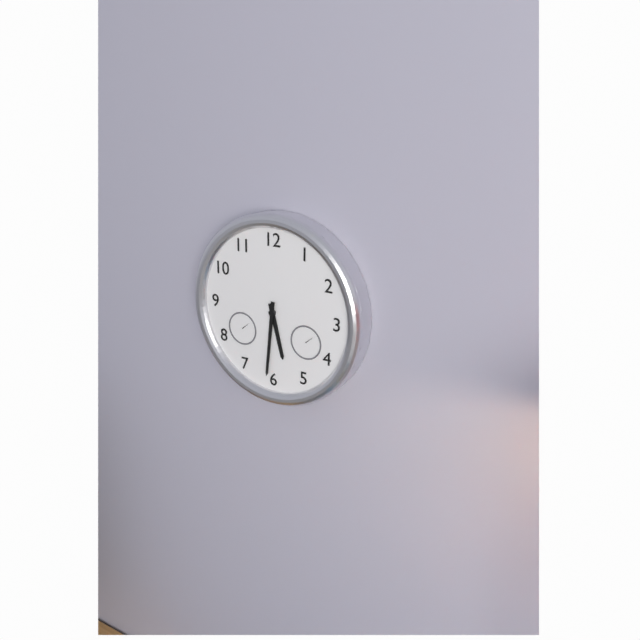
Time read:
h=5 m=31
